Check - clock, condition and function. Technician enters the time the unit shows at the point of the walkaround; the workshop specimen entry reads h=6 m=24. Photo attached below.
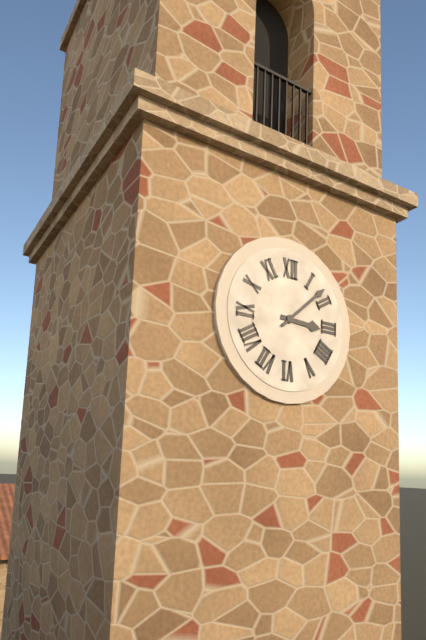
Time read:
h=3 m=8
